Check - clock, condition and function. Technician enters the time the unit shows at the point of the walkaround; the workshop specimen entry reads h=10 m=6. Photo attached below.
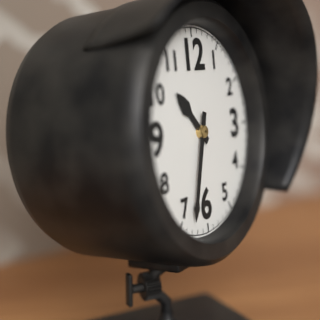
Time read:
h=10 m=33
